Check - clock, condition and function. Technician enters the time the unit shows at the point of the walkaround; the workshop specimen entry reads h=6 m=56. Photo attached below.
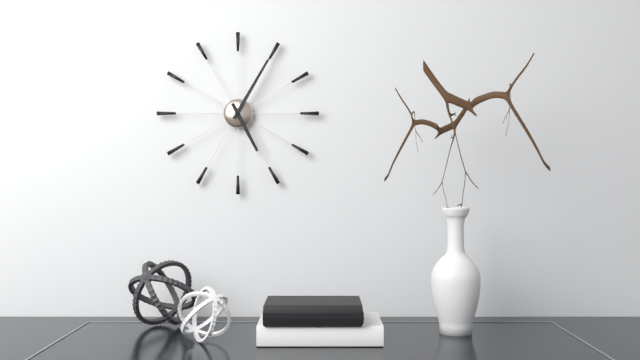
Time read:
h=5 m=5
